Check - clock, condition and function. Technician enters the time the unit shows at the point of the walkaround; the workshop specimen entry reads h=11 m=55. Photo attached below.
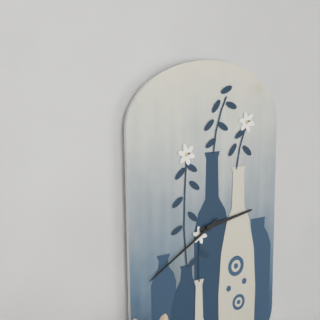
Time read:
h=2 m=40
